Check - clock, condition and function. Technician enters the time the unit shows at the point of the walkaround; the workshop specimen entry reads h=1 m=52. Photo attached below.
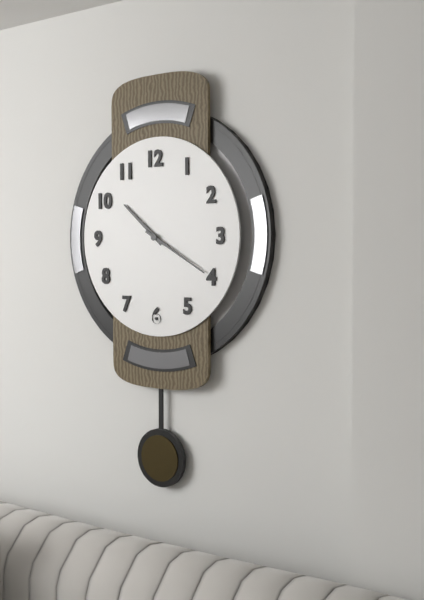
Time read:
h=10 m=20
